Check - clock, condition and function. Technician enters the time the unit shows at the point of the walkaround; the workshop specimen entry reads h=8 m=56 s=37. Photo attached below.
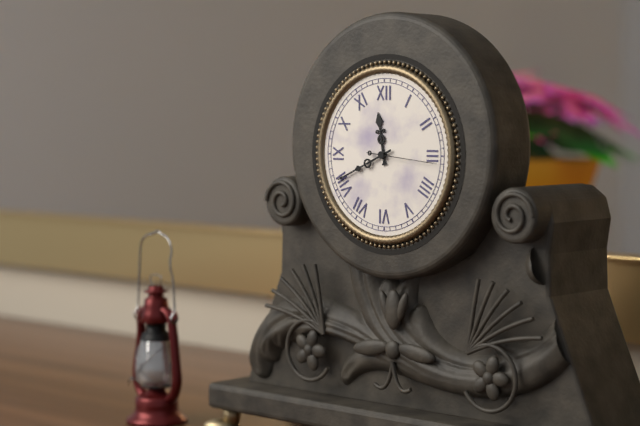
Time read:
h=11 m=41 s=16
